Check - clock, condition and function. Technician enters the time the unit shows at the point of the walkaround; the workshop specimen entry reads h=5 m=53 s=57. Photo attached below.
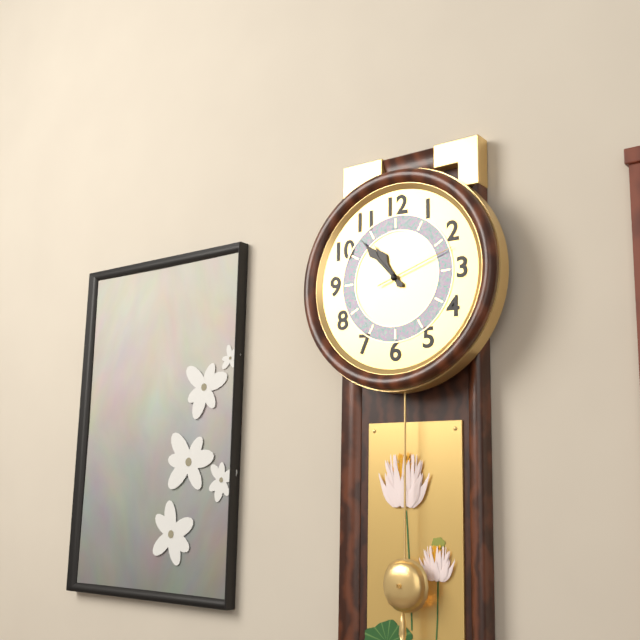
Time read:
h=10 m=53 s=12
